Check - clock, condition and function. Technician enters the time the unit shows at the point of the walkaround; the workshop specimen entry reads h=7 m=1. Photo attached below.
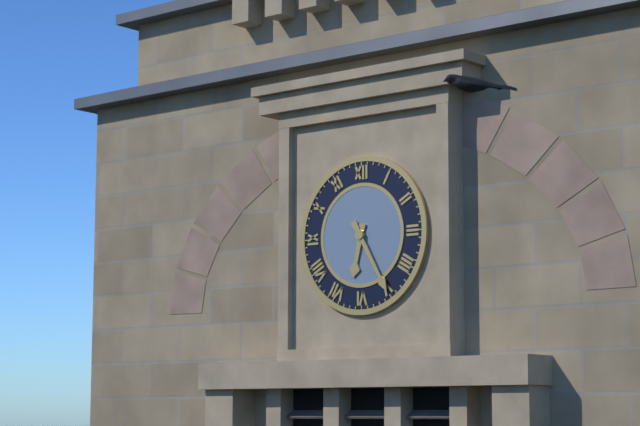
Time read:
h=6 m=25
